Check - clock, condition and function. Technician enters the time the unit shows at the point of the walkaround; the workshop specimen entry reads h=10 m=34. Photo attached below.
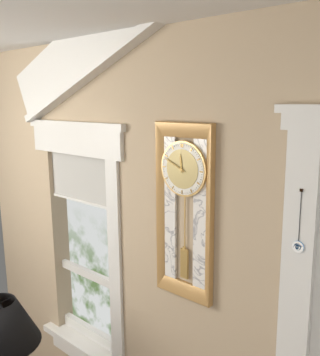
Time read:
h=11 m=49
